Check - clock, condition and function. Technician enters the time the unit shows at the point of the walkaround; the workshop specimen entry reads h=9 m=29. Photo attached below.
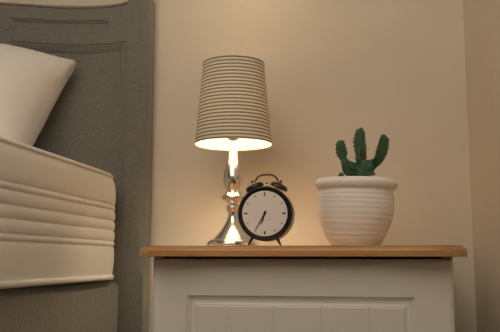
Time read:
h=6 m=35
